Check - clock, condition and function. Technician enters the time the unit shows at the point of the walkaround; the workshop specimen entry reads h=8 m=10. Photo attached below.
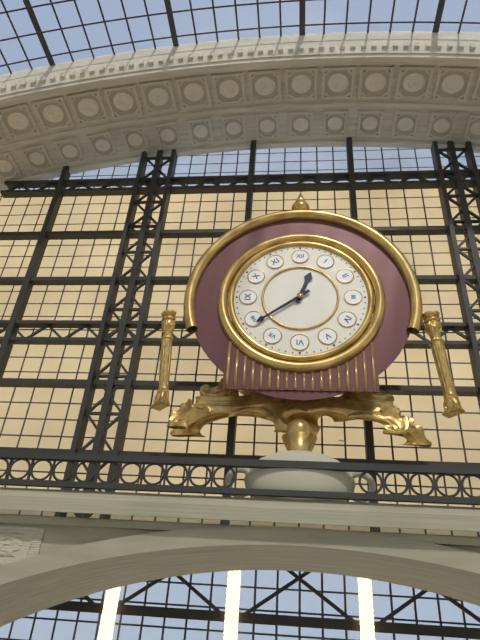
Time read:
h=12 m=39
